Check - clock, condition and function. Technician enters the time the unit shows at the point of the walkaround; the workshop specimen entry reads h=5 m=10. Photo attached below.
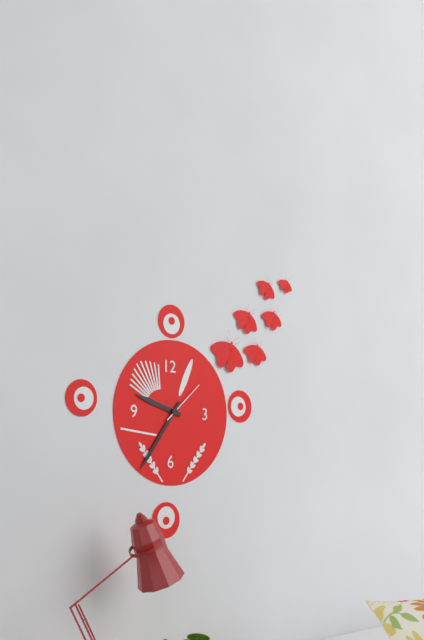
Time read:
h=9 m=36
